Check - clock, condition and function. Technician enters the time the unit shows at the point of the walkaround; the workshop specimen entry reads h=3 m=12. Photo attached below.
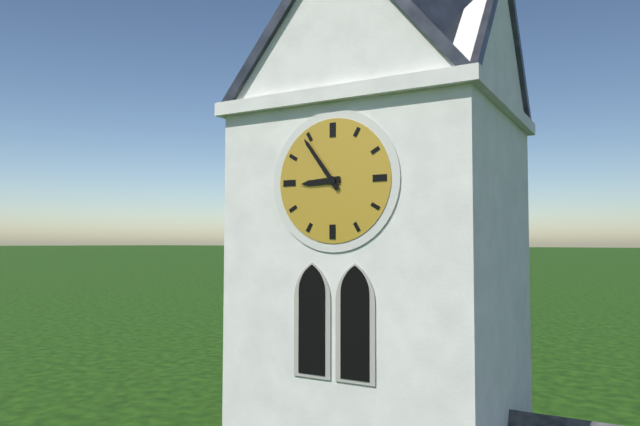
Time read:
h=8 m=54
